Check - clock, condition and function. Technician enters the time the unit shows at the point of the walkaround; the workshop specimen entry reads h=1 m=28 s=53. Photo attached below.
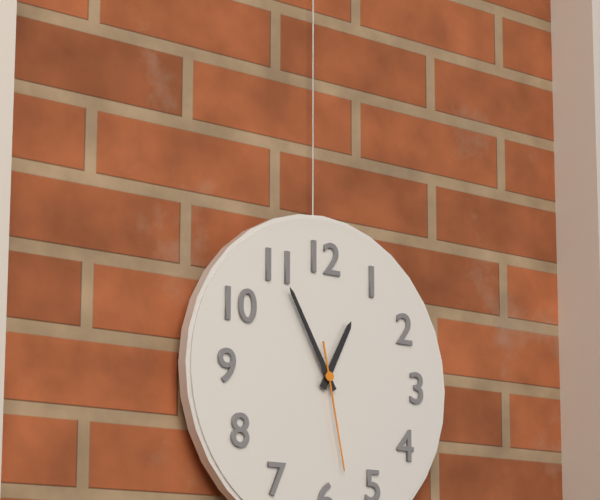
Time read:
h=12 m=55 s=28
